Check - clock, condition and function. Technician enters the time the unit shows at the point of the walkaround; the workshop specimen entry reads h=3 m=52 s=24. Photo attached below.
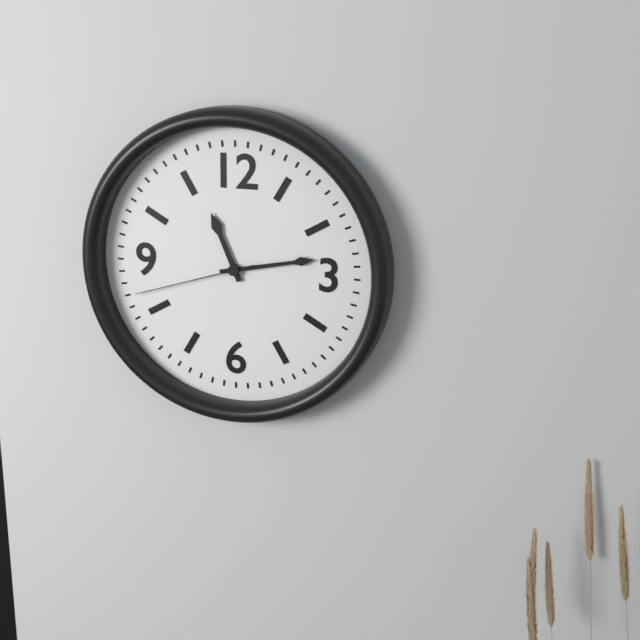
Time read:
h=11 m=13 s=42
